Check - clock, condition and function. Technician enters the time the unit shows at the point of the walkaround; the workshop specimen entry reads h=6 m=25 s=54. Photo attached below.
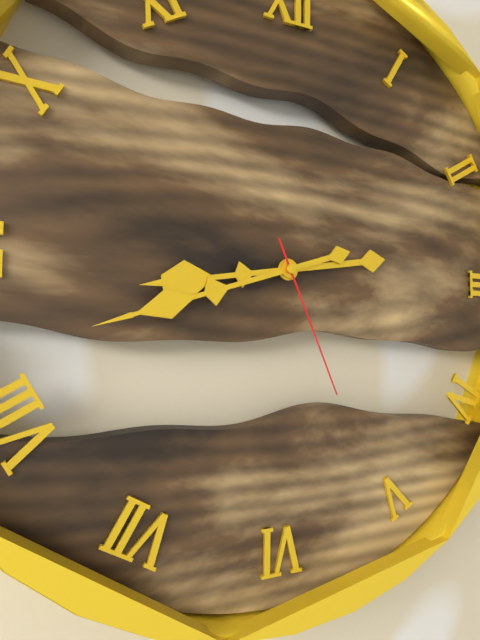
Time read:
h=8 m=42 s=26
